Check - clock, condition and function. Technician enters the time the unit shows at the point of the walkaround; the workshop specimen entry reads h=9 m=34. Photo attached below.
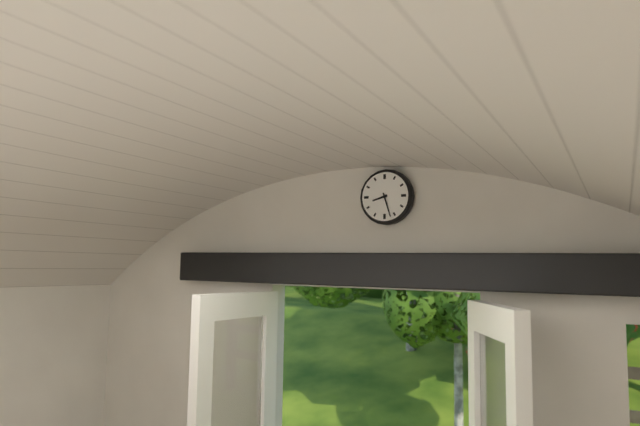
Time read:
h=8 m=27
